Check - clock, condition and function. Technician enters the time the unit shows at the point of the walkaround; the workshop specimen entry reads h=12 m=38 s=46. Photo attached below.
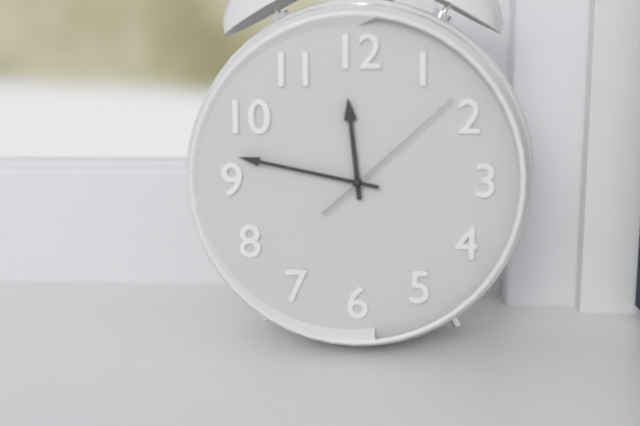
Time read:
h=11 m=47 s=8
